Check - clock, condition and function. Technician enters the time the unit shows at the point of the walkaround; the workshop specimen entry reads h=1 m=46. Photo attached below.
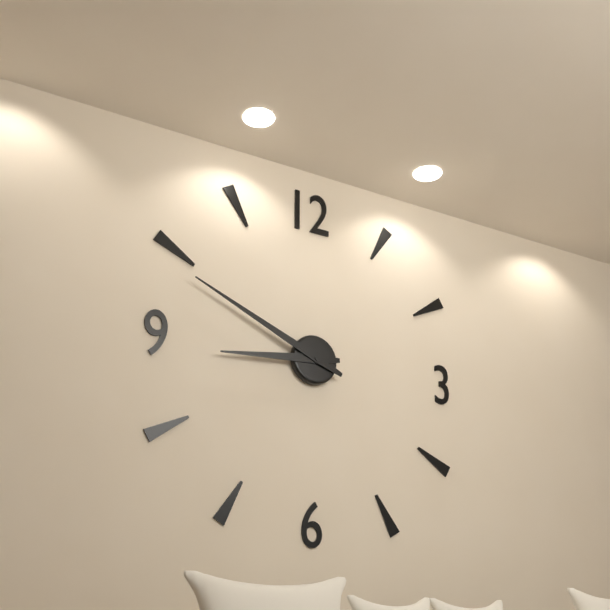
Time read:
h=8 m=49
